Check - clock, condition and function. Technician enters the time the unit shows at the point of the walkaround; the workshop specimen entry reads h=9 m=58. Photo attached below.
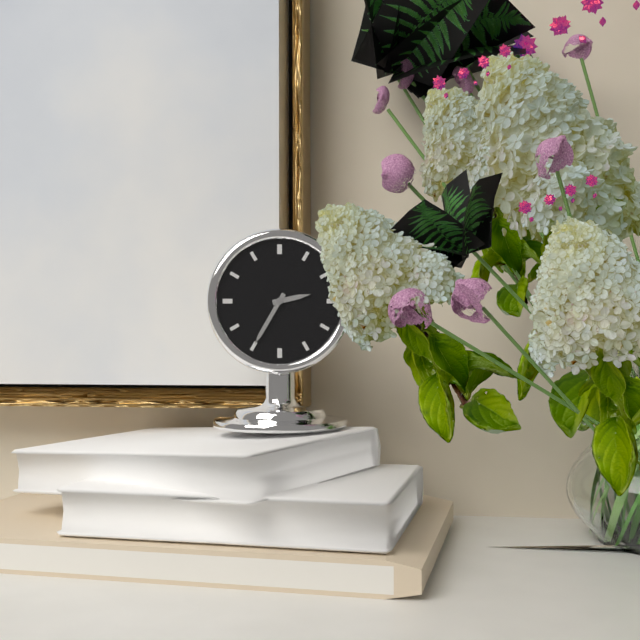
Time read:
h=2 m=35
